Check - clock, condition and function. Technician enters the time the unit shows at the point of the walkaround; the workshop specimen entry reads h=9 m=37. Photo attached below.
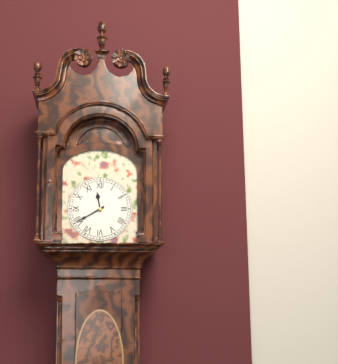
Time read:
h=11 m=40
